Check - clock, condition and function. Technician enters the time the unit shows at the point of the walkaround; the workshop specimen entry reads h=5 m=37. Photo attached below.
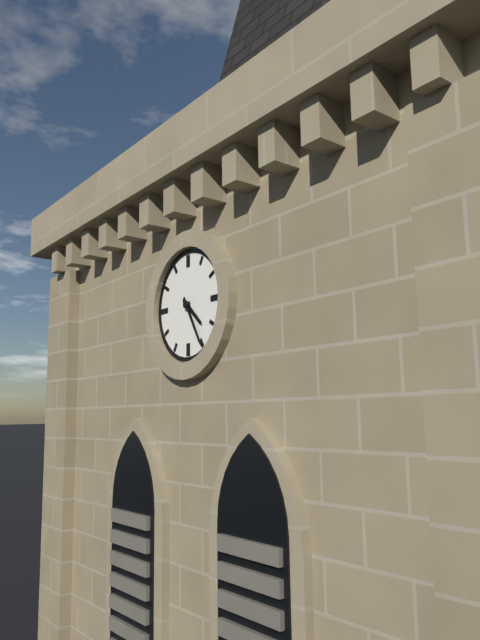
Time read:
h=4 m=25
